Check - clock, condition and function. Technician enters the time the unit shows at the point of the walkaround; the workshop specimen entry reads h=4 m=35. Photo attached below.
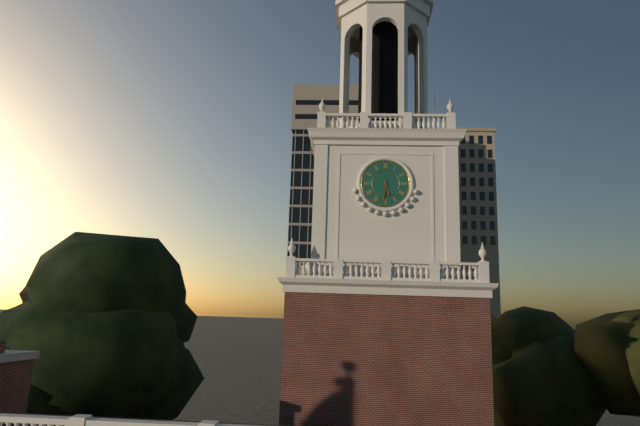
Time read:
h=5 m=31
